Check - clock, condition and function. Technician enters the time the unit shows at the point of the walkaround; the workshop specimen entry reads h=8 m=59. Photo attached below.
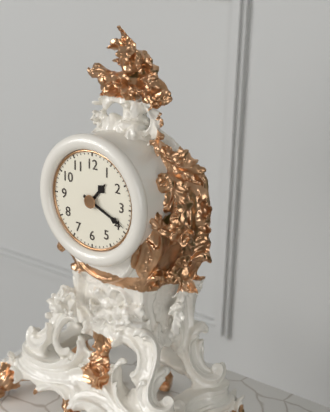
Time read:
h=1 m=19
